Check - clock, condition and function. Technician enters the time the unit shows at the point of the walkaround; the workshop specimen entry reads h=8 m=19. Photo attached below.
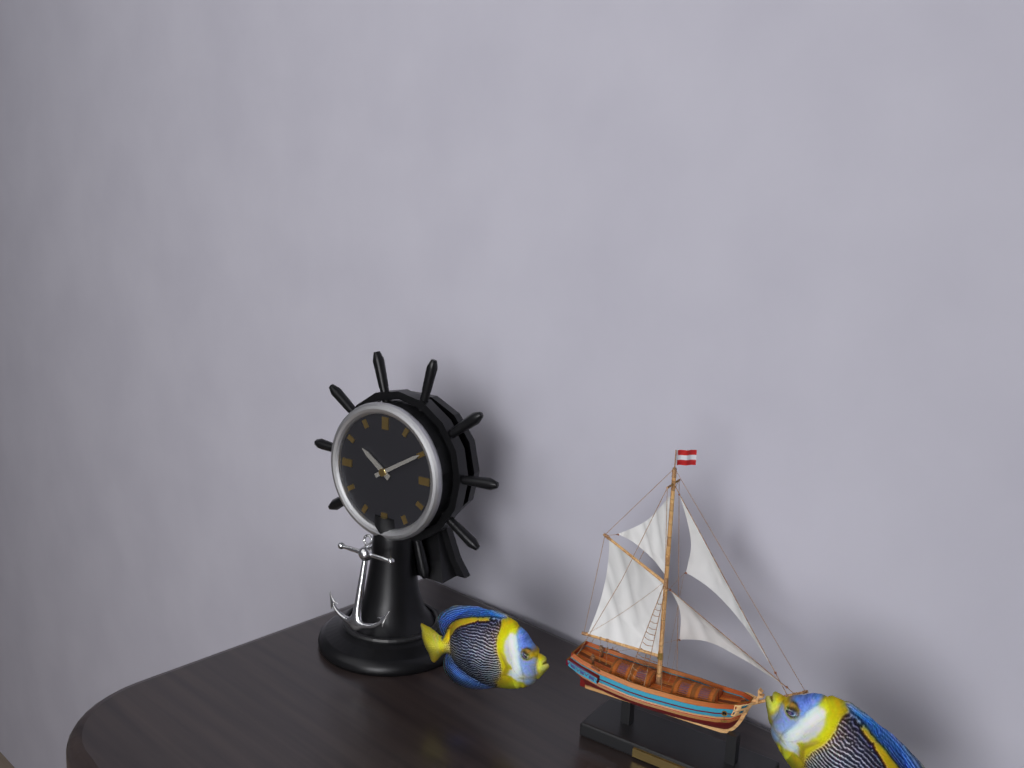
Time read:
h=10 m=10
